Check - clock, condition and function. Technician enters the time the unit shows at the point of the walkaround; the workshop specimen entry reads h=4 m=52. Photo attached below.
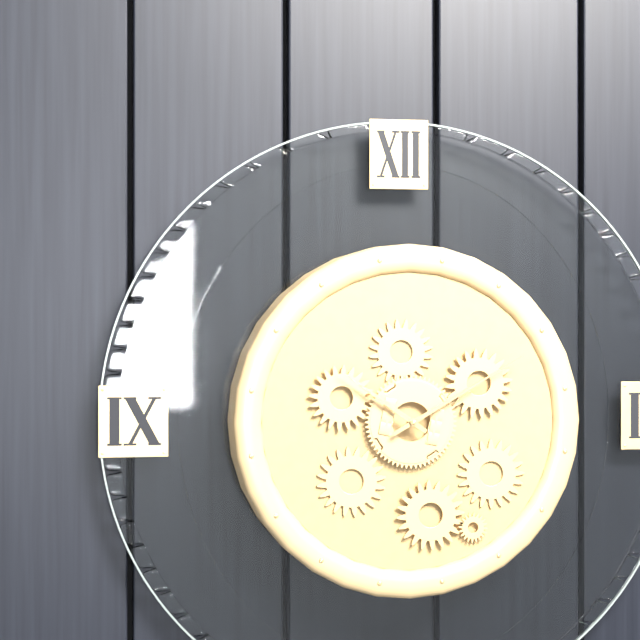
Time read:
h=10 m=10
